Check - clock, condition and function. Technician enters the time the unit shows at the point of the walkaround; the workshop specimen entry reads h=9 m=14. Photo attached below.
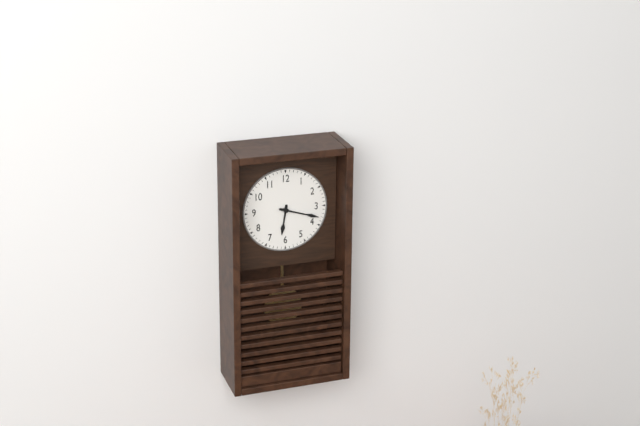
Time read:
h=6 m=18
